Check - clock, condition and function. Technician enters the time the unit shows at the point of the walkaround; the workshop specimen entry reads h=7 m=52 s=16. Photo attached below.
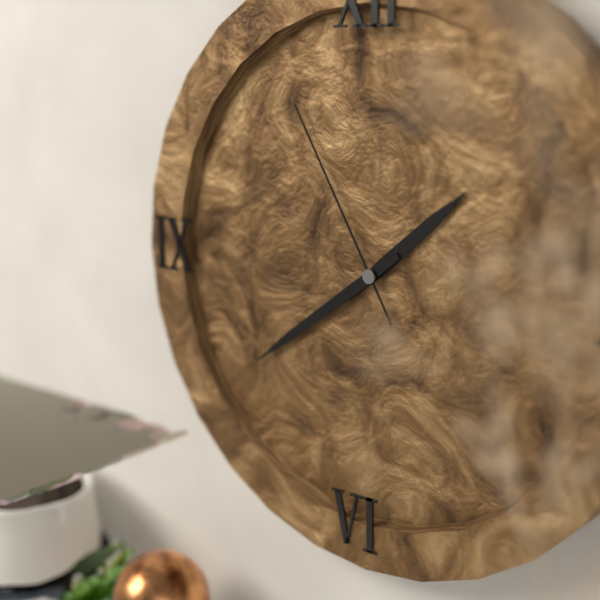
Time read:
h=1 m=39 s=55
